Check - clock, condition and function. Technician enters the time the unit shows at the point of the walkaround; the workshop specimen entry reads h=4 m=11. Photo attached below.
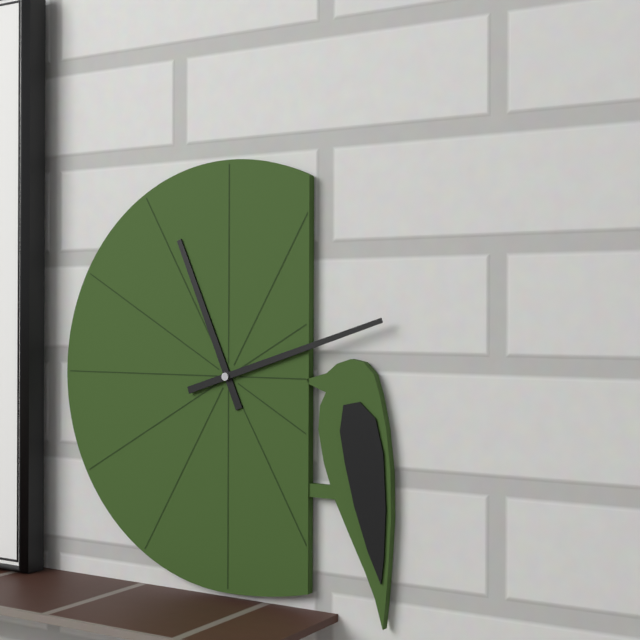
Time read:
h=11 m=12
